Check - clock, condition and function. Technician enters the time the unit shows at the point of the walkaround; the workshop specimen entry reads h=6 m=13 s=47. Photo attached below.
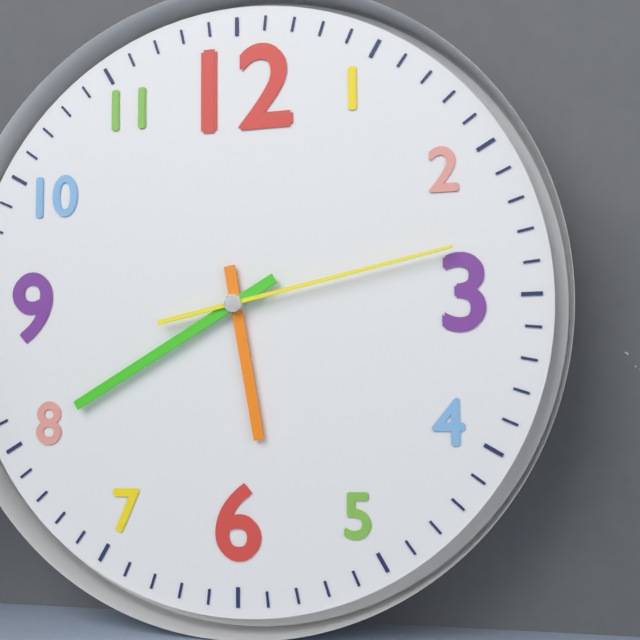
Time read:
h=5 m=40 s=13
